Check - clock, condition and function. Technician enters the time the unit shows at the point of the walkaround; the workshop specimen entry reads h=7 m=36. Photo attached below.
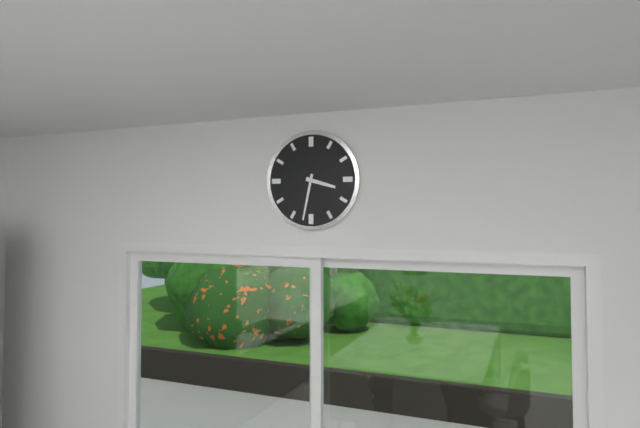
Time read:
h=3 m=32
